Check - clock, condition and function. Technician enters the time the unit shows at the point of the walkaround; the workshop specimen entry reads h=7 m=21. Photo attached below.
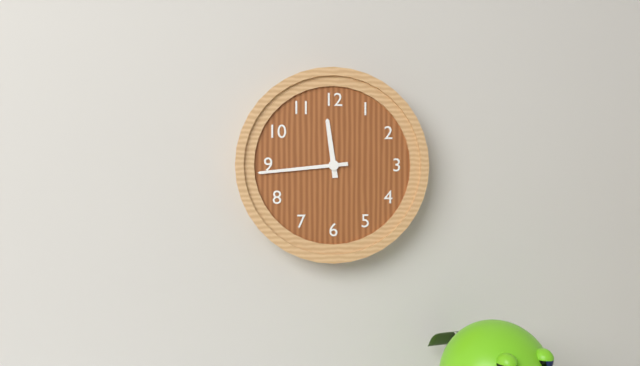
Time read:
h=11 m=44
